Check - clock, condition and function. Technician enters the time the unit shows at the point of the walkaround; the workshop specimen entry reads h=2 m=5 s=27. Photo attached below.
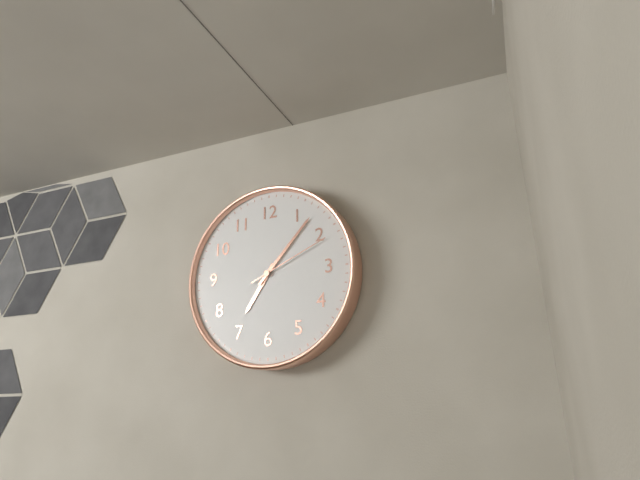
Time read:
h=7 m=7 s=11
